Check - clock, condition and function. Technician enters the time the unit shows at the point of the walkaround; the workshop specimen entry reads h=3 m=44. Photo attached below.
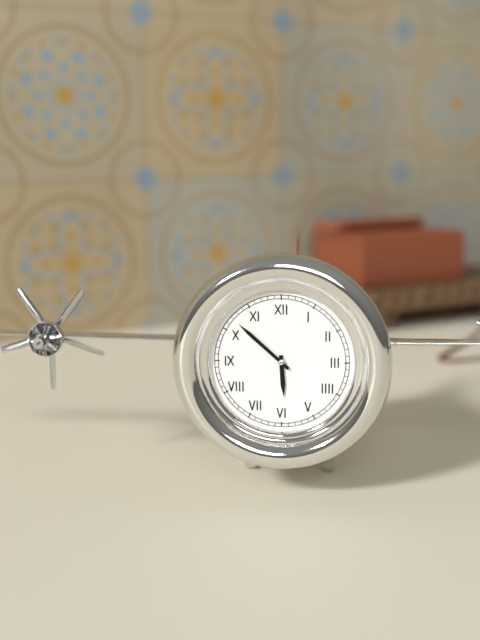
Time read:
h=5 m=52
